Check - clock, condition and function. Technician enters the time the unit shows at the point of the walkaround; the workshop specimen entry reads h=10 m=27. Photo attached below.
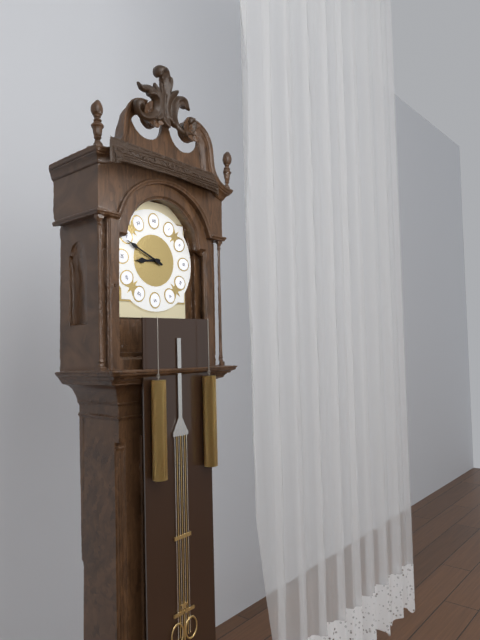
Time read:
h=8 m=49
